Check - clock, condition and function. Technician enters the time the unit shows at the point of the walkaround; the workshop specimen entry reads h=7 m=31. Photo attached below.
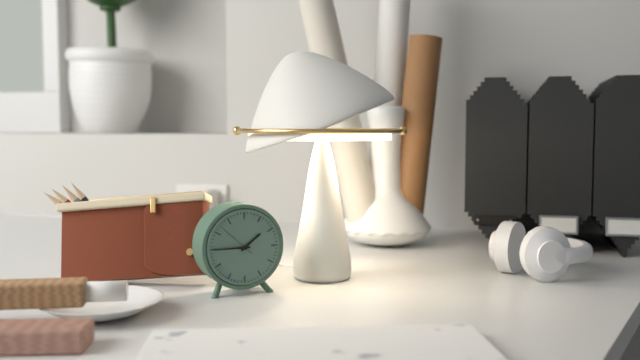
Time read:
h=1 m=45
